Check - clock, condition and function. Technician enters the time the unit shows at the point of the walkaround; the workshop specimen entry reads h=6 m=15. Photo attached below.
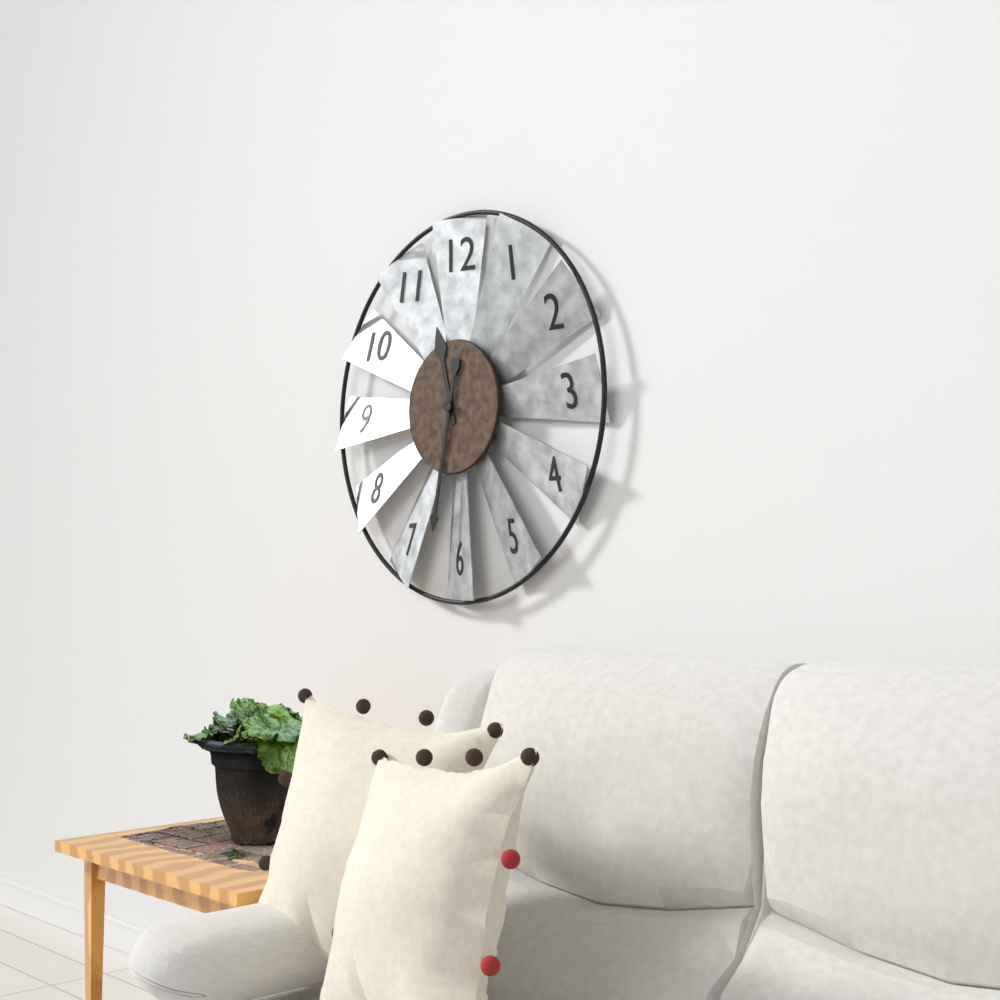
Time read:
h=11 m=32
